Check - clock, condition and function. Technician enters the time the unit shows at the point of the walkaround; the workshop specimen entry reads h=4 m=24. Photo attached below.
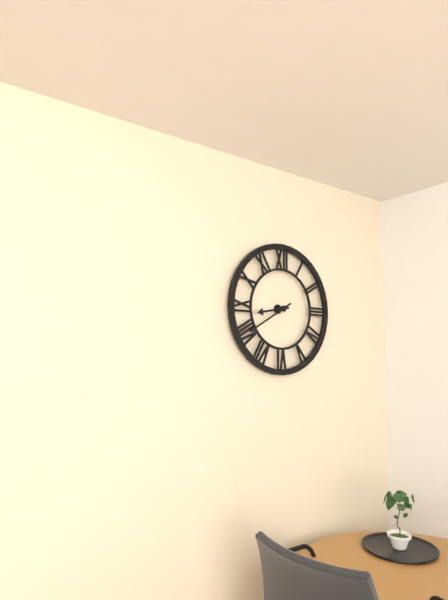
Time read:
h=8 m=40
